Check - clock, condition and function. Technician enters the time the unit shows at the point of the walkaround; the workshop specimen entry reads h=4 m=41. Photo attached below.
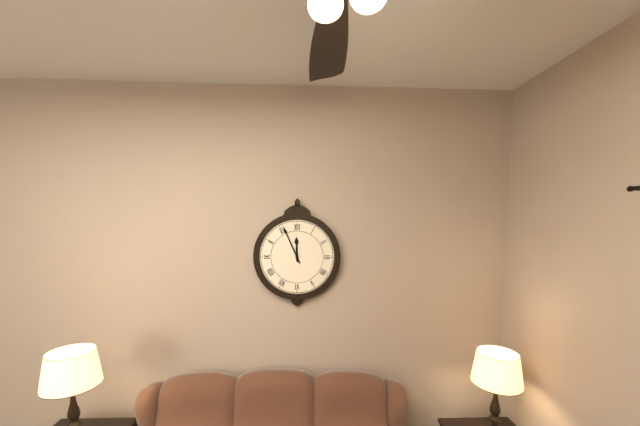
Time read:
h=11 m=56
